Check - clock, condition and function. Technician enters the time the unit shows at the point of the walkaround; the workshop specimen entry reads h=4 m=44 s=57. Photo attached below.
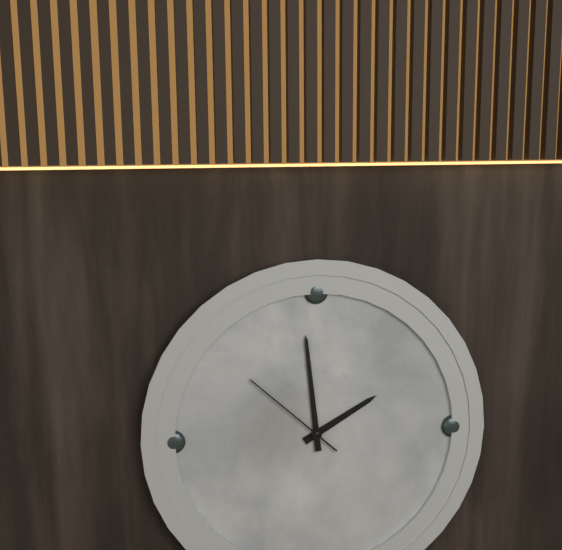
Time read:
h=1 m=59 s=52
